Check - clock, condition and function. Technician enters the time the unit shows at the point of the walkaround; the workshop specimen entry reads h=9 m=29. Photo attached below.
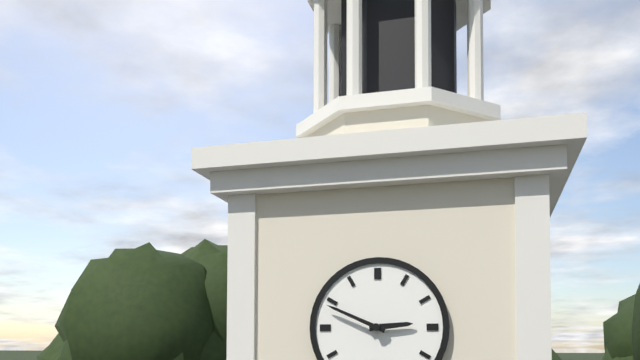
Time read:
h=2 m=49
